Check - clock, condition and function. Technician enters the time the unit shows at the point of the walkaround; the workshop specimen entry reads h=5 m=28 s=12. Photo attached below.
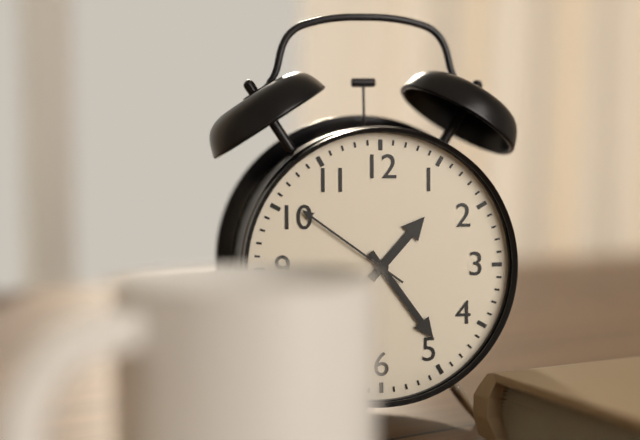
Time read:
h=1 m=24 s=51
